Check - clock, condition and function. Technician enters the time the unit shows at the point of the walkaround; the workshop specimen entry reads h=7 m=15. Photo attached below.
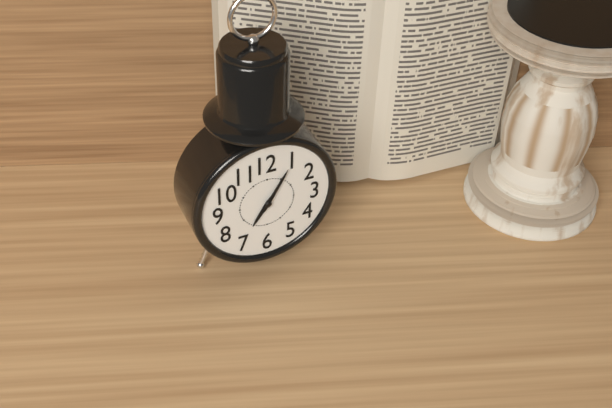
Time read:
h=7 m=5
